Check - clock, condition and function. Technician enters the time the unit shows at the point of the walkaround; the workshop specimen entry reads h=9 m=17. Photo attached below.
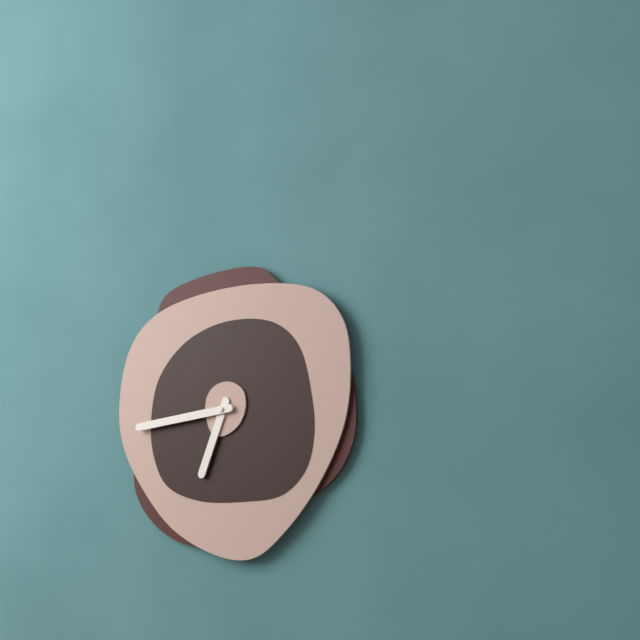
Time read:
h=6 m=44
